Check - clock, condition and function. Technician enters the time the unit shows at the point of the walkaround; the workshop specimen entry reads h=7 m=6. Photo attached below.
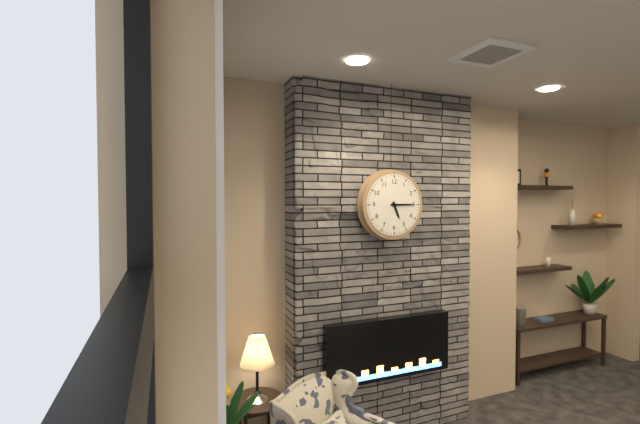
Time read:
h=5 m=15
